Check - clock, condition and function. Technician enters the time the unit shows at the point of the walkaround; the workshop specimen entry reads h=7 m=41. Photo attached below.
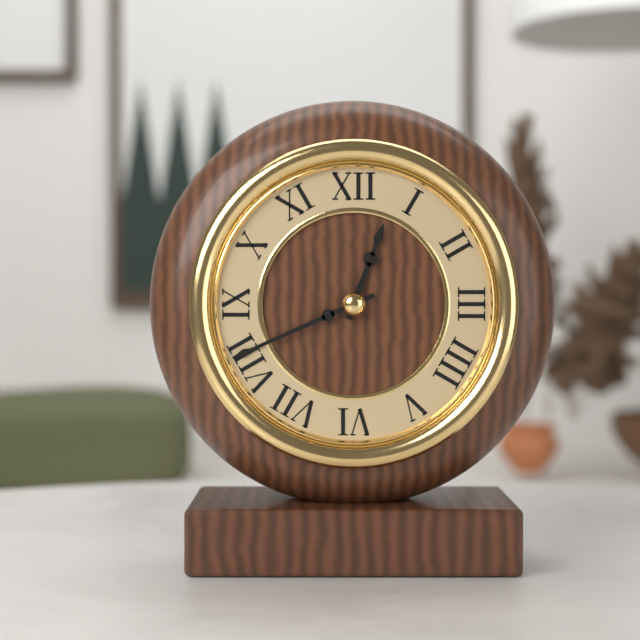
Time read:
h=12 m=41
